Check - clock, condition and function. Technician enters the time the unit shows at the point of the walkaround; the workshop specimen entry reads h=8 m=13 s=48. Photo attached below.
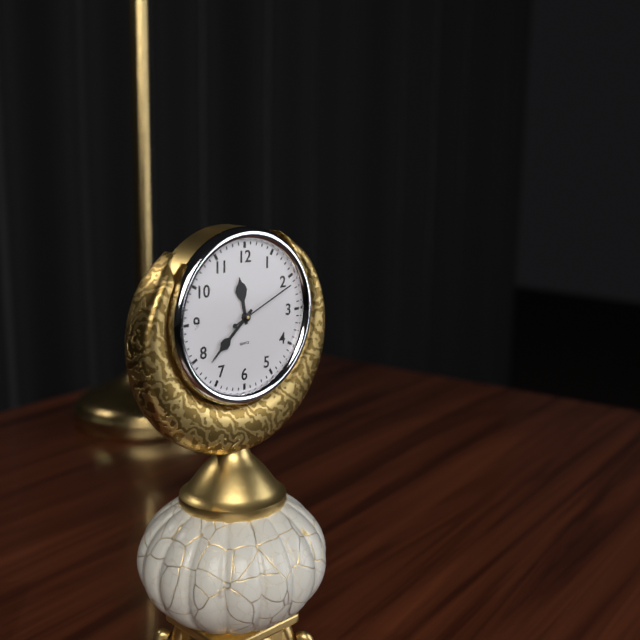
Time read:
h=11 m=38 s=11
